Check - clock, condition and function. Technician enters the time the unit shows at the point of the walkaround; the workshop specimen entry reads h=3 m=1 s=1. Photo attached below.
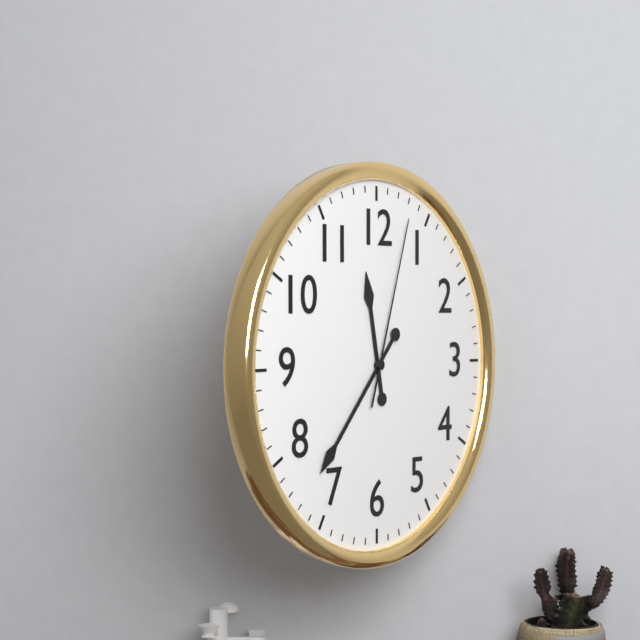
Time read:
h=11 m=37 s=3
